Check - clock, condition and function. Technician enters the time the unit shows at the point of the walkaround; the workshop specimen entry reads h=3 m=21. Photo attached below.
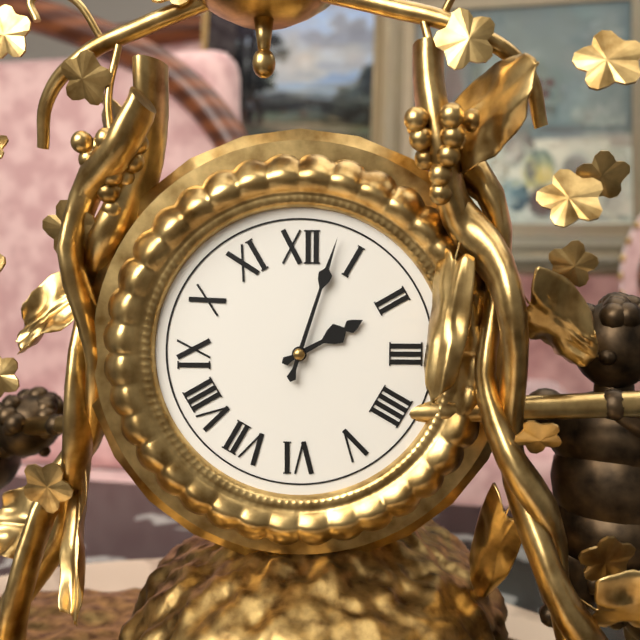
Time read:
h=2 m=3
